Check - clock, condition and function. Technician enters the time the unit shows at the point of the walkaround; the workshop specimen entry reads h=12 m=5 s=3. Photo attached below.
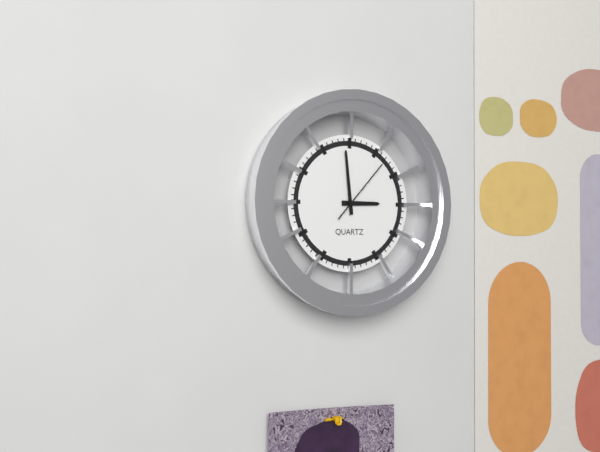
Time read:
h=2 m=59 s=7
